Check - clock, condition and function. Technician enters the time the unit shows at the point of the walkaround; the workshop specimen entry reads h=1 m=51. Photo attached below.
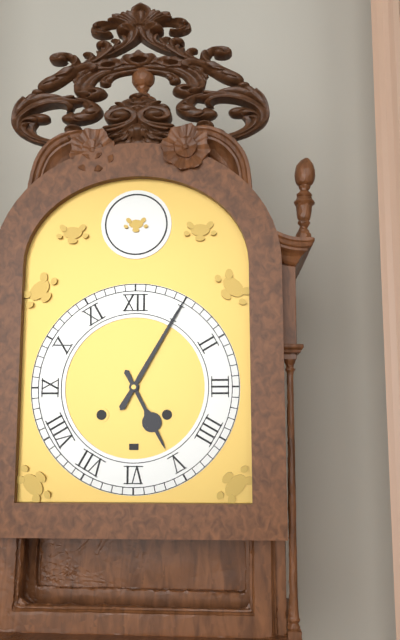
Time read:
h=5 m=5
